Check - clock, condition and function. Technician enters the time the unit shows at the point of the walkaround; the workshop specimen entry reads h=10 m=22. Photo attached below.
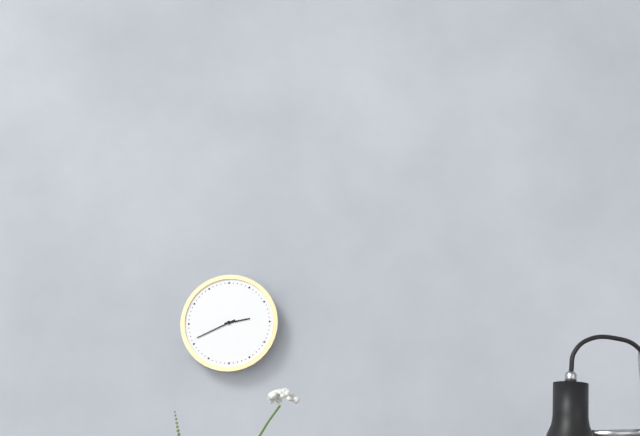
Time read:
h=2 m=41
